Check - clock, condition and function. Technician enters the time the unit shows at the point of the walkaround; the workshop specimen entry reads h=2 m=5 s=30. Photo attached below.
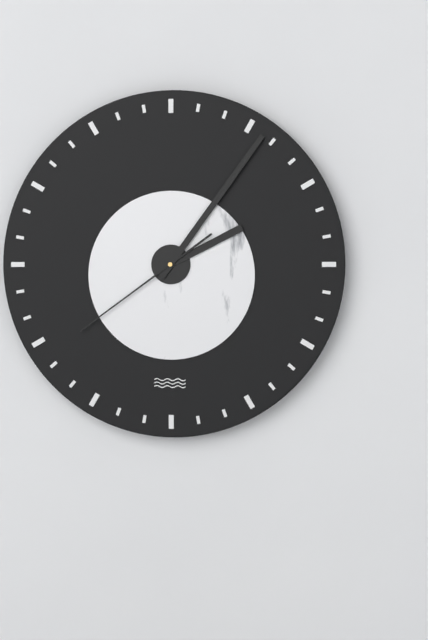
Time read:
h=2 m=6 s=39
